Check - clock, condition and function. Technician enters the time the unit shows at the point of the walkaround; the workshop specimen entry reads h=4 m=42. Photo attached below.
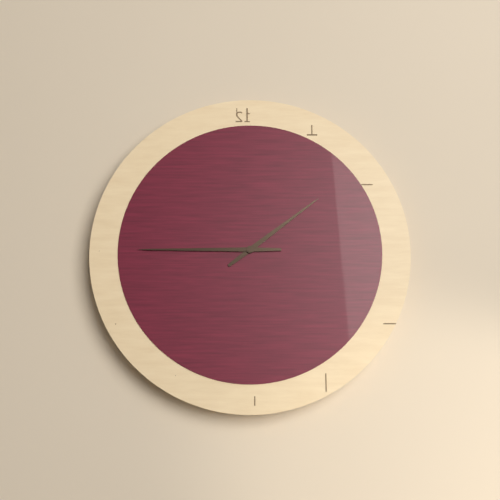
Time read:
h=1 m=45
